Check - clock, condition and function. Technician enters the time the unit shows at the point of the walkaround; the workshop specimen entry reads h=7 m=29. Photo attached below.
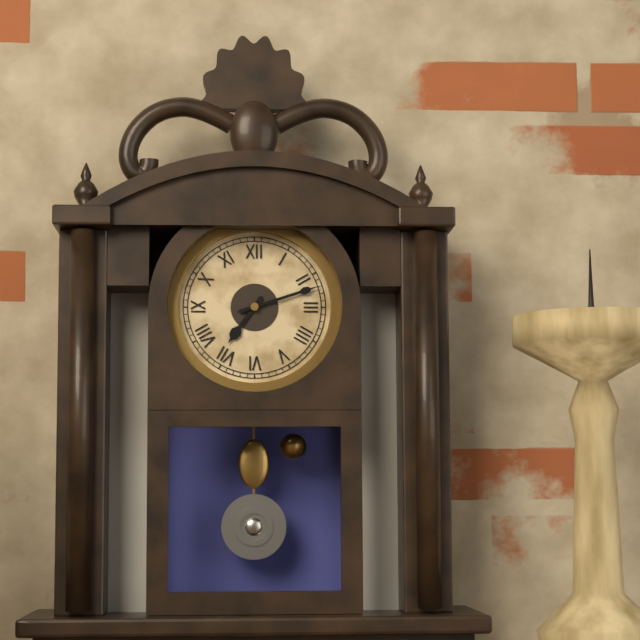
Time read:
h=7 m=12
